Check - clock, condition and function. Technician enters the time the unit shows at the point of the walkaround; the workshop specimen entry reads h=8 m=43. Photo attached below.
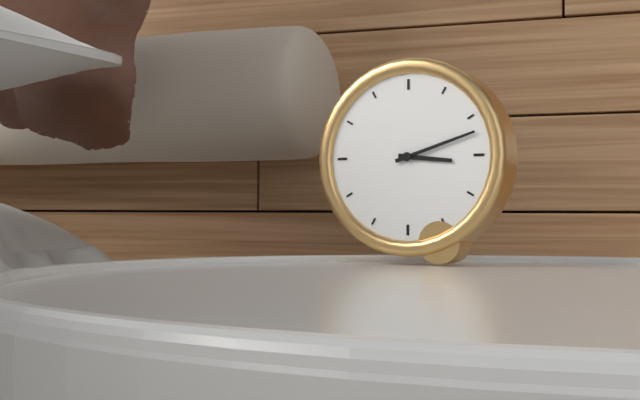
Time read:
h=3 m=12
